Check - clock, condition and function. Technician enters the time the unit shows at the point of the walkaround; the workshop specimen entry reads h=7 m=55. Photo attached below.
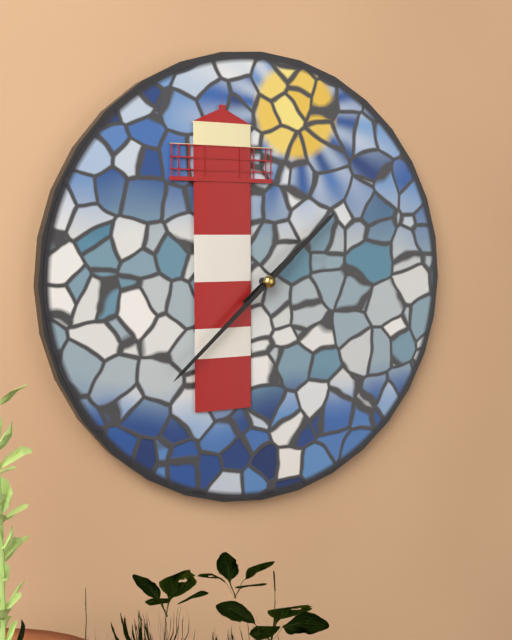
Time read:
h=1 m=38
